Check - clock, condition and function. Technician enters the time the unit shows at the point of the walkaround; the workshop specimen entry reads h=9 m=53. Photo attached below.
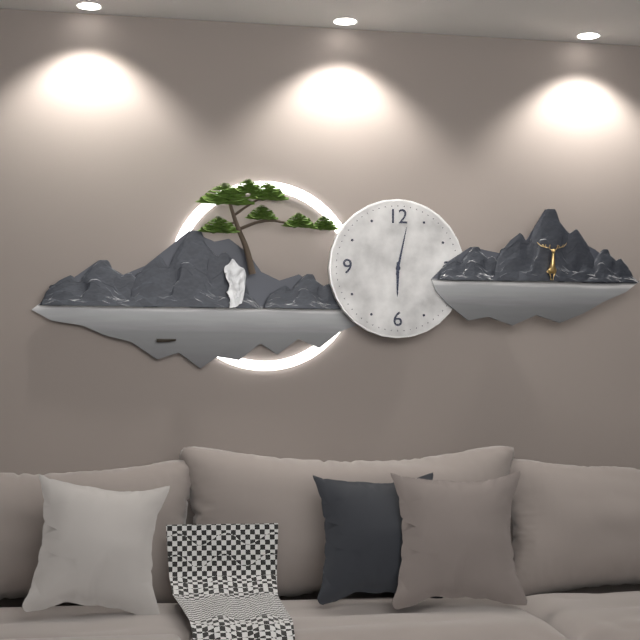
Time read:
h=6 m=2
